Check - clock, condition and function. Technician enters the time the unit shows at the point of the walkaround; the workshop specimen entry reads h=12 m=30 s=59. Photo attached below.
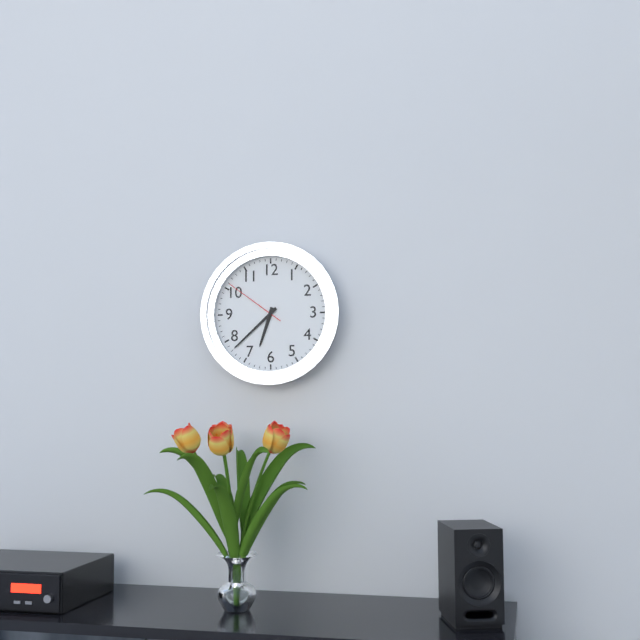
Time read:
h=6 m=38 s=51
